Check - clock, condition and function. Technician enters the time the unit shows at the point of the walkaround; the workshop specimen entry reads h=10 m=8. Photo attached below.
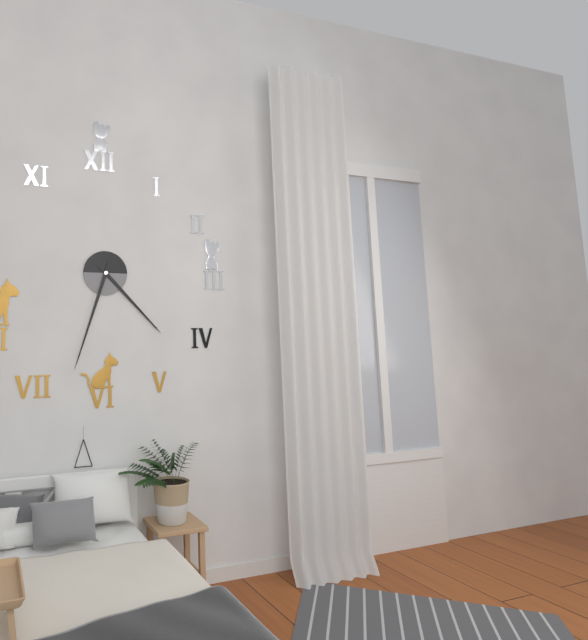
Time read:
h=4 m=33
